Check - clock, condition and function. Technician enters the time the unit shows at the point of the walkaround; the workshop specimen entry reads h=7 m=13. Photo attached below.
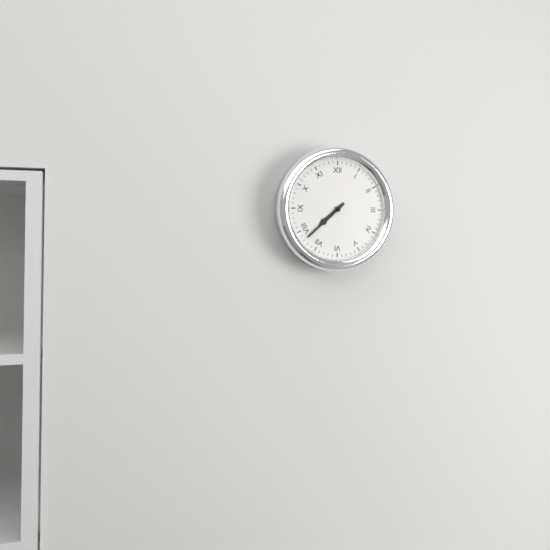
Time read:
h=7 m=38
